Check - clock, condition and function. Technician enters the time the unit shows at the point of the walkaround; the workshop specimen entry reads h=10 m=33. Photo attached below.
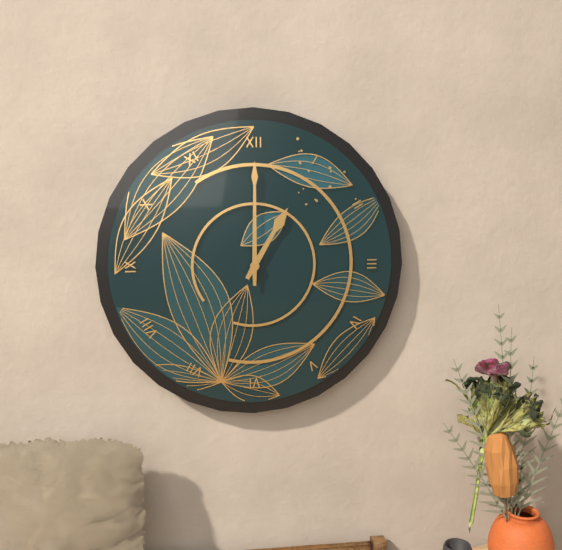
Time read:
h=1 m=0
